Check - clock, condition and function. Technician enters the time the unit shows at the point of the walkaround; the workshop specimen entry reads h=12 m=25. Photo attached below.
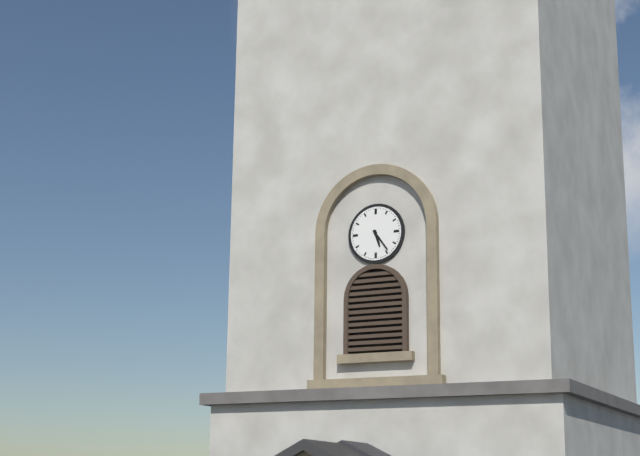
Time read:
h=5 m=24
